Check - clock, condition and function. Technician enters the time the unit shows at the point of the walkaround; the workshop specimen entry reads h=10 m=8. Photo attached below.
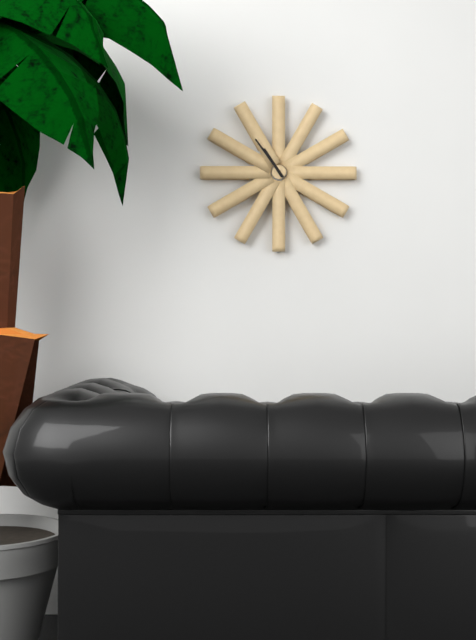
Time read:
h=10 m=54
